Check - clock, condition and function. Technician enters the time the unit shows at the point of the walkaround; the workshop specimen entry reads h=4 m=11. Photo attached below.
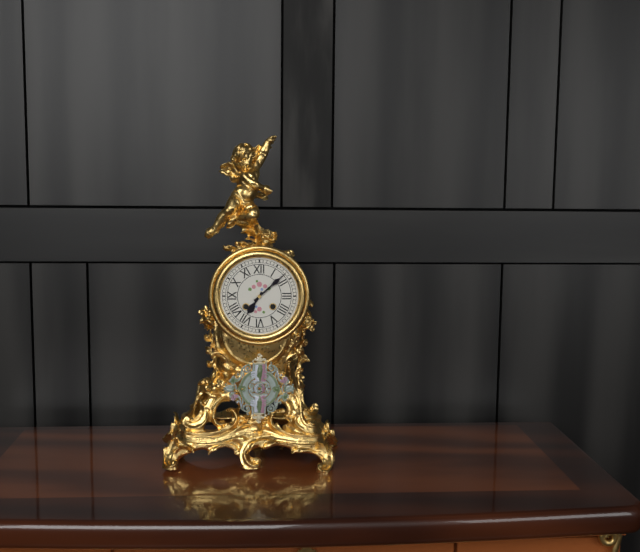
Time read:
h=7 m=8
